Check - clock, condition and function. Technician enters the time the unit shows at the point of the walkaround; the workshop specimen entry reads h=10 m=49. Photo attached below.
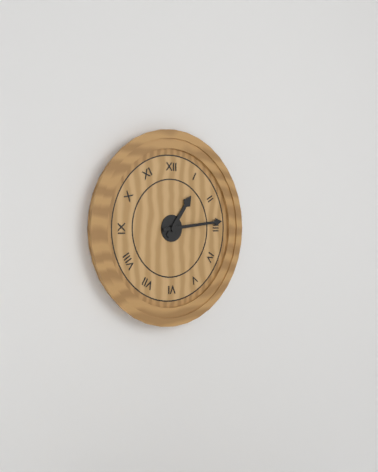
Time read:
h=1 m=14
